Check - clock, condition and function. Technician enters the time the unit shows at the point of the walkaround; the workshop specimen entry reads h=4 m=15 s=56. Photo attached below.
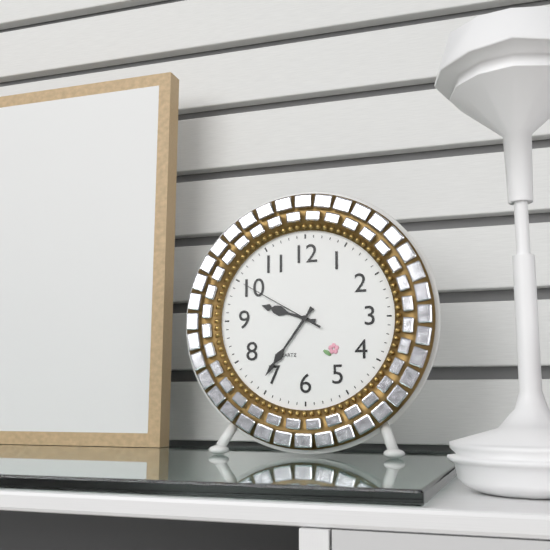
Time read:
h=9 m=36 s=50
